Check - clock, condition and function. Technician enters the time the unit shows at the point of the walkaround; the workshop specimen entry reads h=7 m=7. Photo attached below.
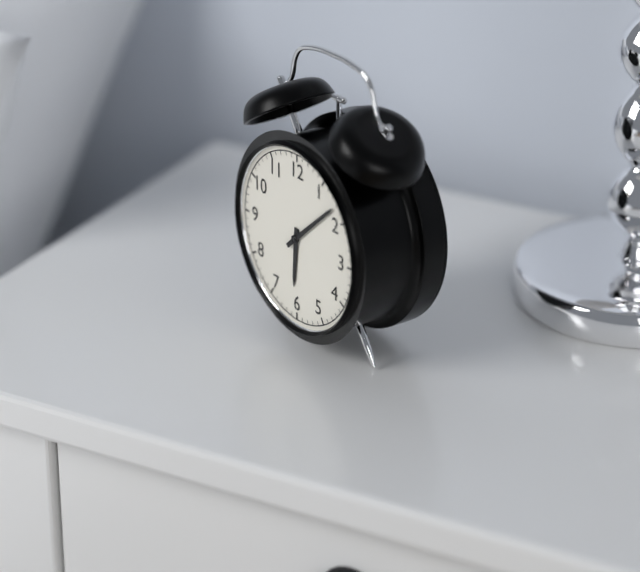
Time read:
h=6 m=8
